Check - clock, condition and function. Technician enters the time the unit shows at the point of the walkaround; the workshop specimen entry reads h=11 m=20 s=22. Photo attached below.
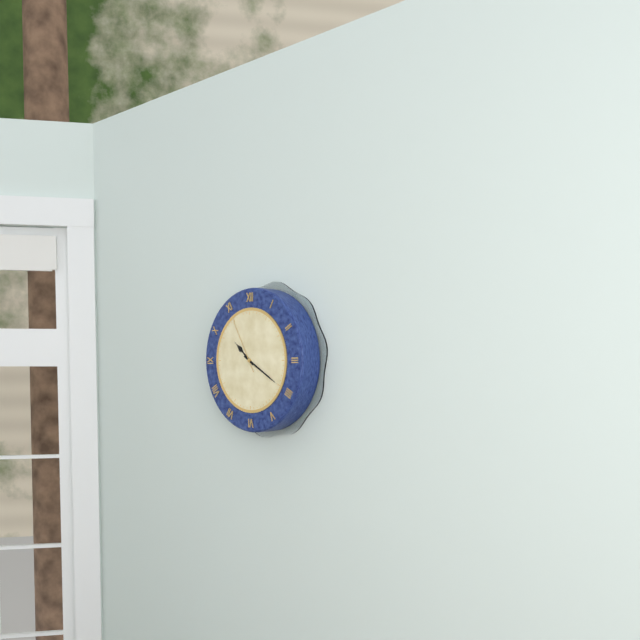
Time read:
h=10 m=20 s=55
